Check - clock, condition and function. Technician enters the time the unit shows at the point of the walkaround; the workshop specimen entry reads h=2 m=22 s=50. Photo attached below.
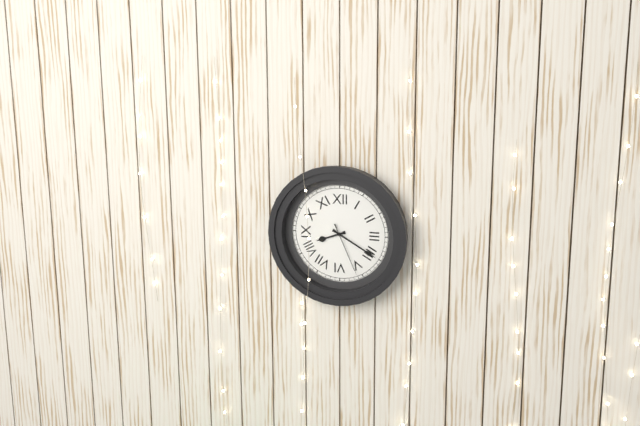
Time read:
h=8 m=20 s=26
